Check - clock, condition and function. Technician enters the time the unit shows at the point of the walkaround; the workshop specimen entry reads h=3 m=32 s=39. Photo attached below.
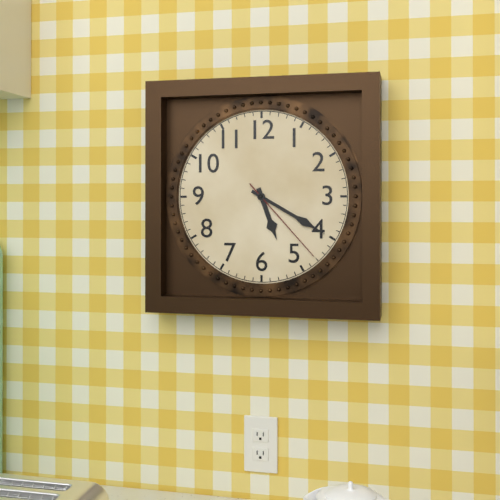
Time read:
h=5 m=20 s=23
